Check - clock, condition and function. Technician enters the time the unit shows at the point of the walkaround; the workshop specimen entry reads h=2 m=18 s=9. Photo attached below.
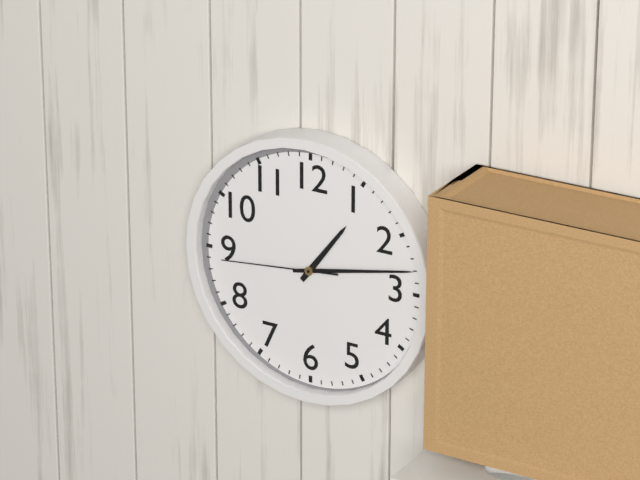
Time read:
h=1 m=13 s=44
